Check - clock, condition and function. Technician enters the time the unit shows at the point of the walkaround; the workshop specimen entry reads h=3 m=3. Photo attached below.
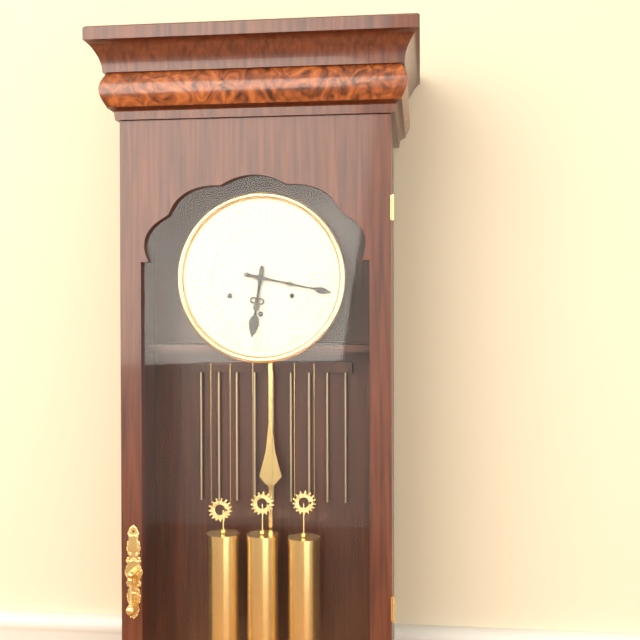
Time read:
h=6 m=17
